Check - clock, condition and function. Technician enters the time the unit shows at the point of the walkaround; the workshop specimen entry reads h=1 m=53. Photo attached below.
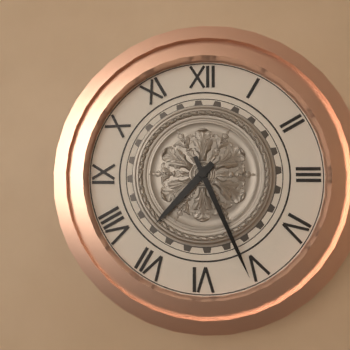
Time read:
h=7 m=26
